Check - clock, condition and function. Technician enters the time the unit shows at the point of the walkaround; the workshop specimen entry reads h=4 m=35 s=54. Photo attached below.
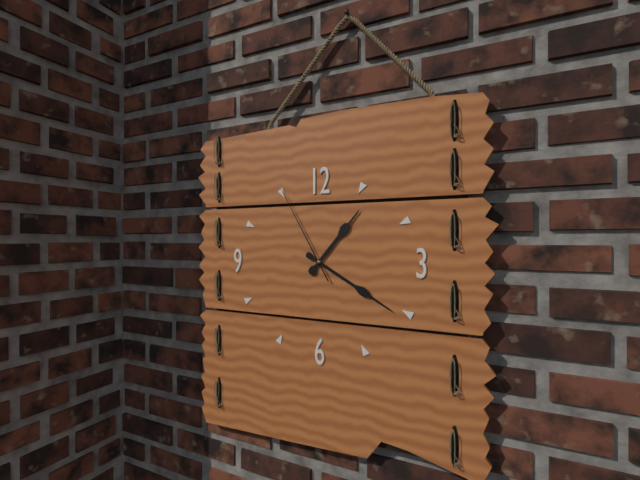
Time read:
h=1 m=20 s=55
